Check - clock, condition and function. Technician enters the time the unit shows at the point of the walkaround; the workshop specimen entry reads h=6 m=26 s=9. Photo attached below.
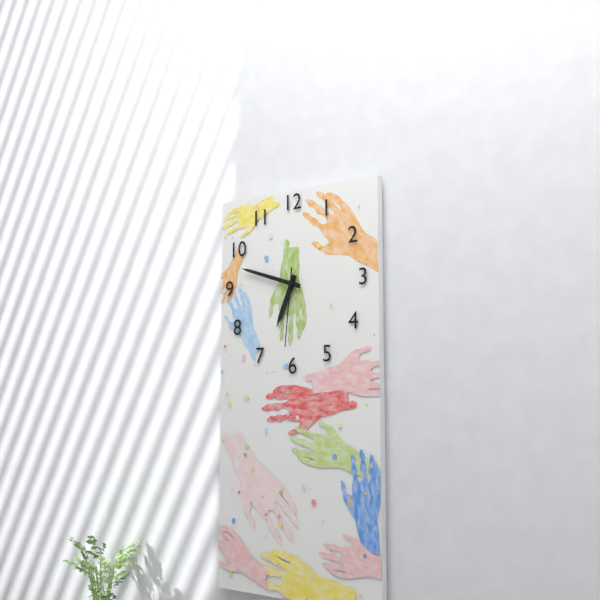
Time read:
h=6 m=48 s=31
